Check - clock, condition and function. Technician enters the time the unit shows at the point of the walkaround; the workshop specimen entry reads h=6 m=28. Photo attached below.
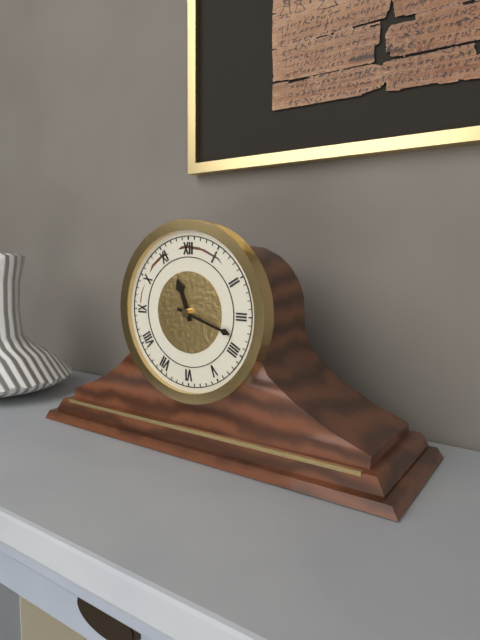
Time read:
h=11 m=18
